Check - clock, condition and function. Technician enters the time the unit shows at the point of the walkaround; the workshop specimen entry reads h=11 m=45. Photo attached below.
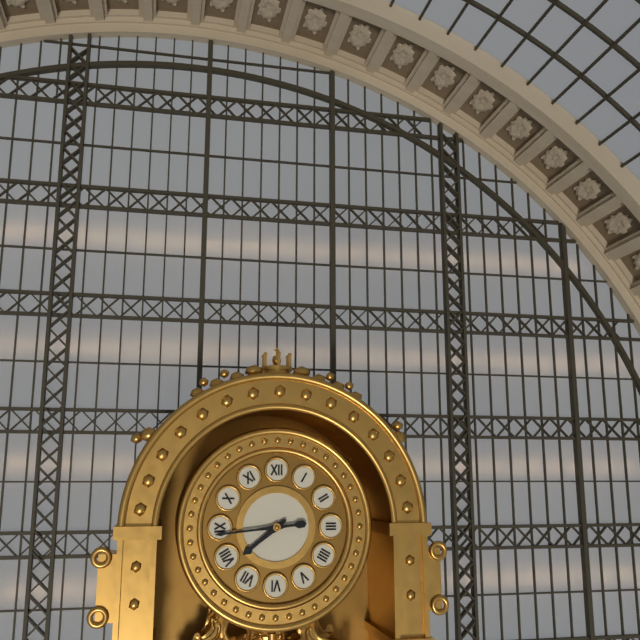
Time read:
h=7 m=44
